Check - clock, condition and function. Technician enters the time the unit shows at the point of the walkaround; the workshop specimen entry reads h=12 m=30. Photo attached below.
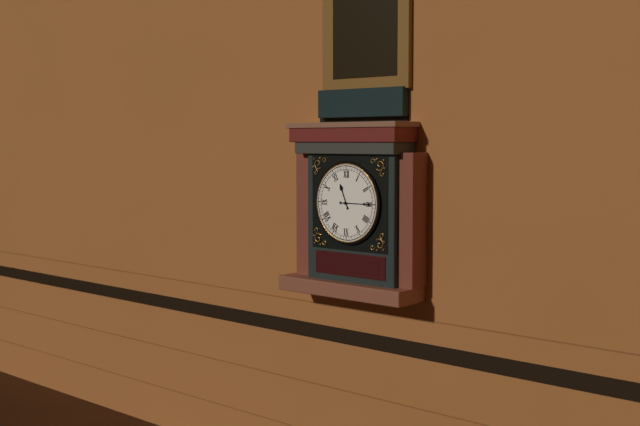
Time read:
h=11 m=15
